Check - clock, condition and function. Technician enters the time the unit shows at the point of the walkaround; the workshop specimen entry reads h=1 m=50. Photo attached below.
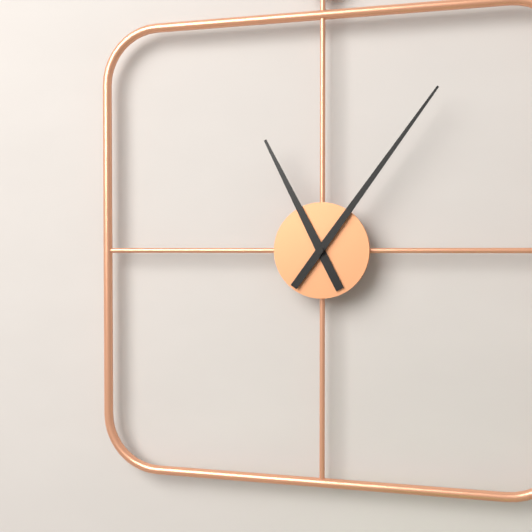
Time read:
h=11 m=6
